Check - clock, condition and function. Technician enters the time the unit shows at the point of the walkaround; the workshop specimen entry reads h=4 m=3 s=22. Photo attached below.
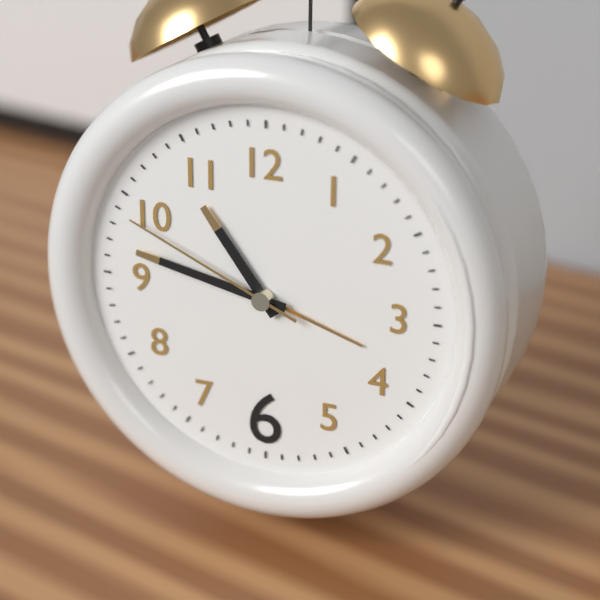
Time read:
h=10 m=47 s=49
